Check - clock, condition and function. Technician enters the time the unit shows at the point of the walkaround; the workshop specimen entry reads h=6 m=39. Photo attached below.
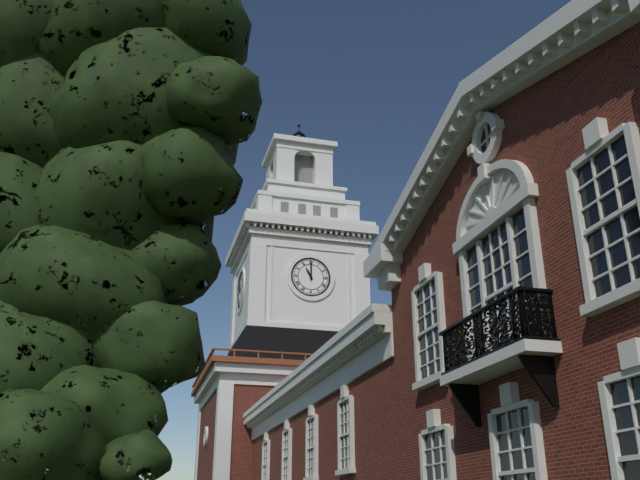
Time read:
h=11 m=0
